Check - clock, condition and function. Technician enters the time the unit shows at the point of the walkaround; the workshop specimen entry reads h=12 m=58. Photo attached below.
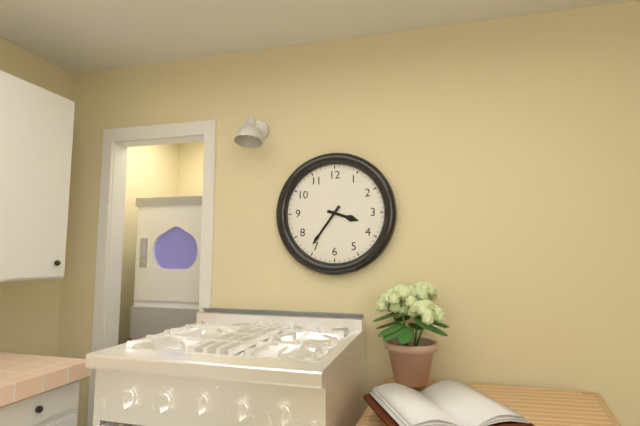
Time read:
h=3 m=36
